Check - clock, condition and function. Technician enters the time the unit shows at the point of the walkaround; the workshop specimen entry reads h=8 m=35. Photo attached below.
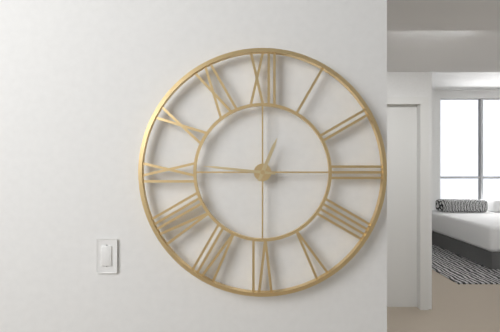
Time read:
h=12 m=46
